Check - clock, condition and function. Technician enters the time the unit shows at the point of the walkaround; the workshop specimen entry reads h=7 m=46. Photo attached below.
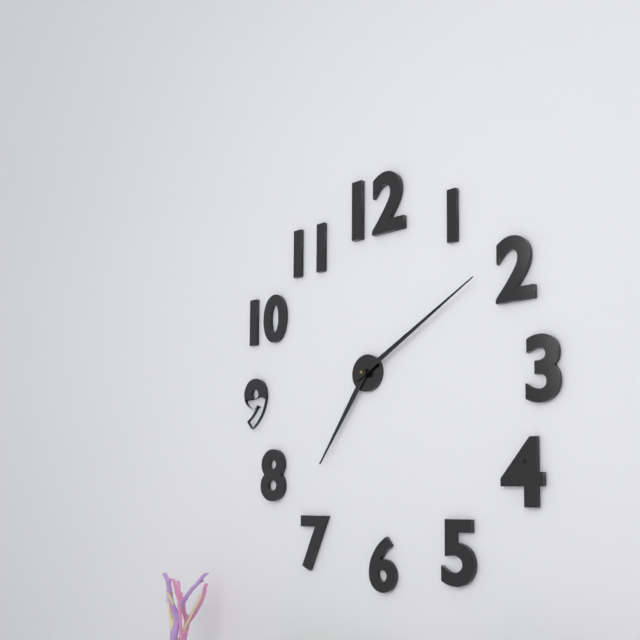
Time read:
h=7 m=10
